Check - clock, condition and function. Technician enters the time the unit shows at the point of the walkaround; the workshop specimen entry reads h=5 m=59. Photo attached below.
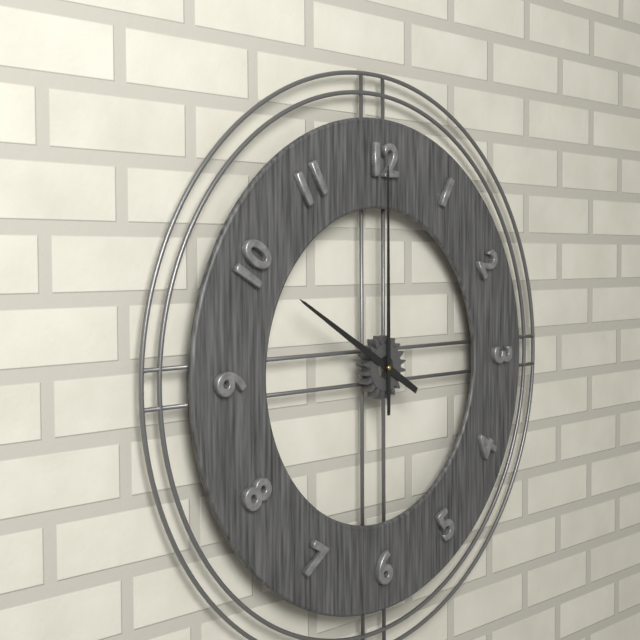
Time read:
h=10 m=0
